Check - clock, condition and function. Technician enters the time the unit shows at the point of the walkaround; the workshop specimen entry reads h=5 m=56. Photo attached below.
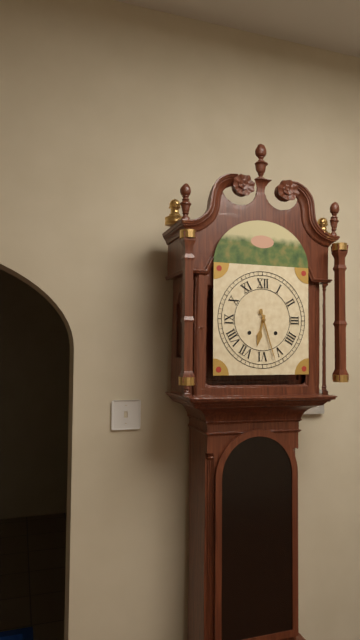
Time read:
h=6 m=27
